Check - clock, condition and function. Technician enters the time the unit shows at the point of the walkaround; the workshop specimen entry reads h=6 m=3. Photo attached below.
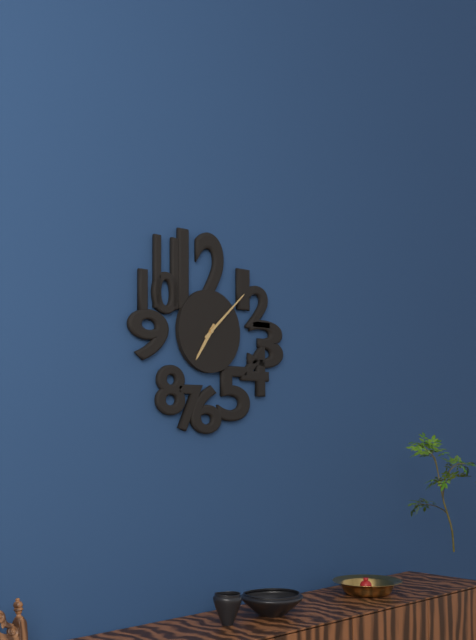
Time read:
h=7 m=8
